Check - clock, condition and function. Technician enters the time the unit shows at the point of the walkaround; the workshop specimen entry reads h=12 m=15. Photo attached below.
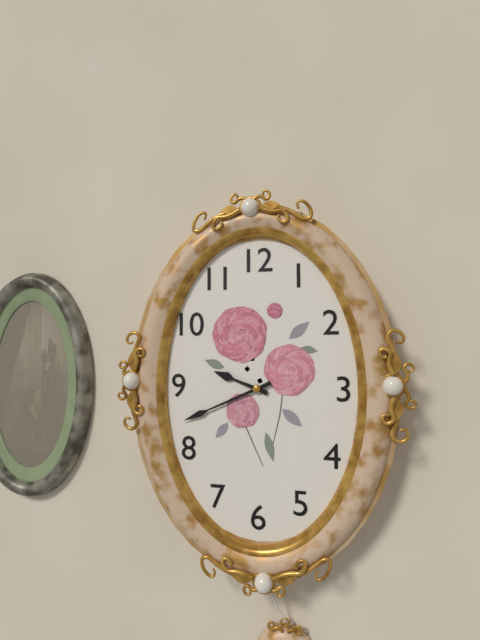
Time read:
h=9 m=41
